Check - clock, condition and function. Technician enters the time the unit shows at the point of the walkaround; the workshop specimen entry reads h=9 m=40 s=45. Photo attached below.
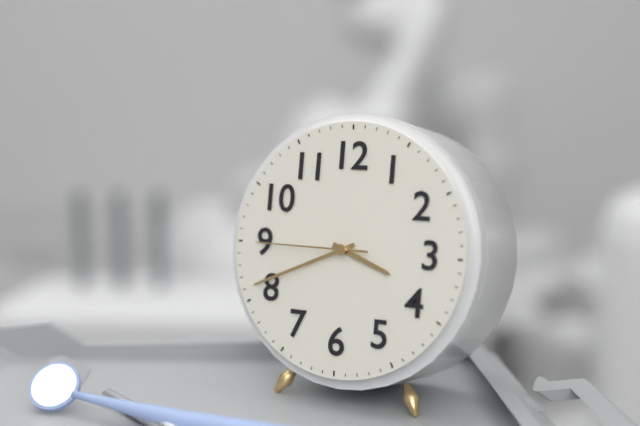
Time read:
h=3 m=41 s=45
